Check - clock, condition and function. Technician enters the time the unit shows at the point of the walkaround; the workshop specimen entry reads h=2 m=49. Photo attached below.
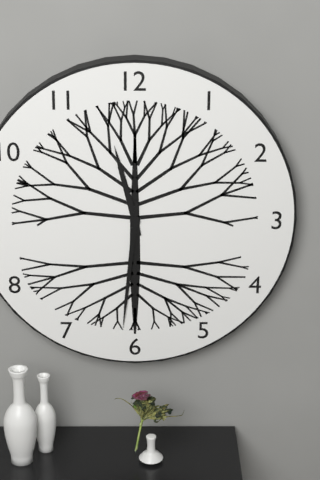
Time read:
h=11 m=31
